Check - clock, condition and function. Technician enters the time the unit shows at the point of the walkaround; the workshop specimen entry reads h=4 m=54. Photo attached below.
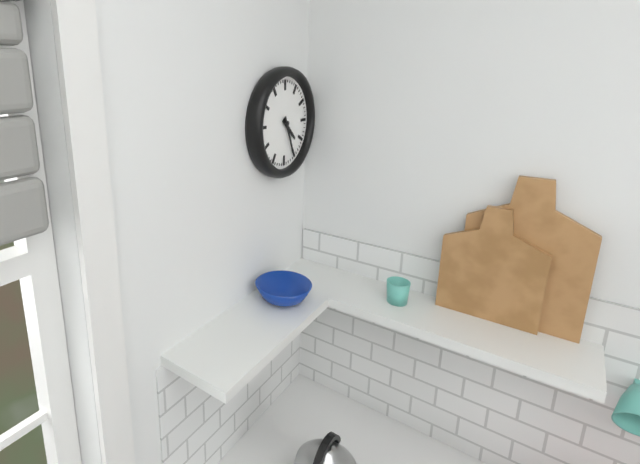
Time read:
h=4 m=26
